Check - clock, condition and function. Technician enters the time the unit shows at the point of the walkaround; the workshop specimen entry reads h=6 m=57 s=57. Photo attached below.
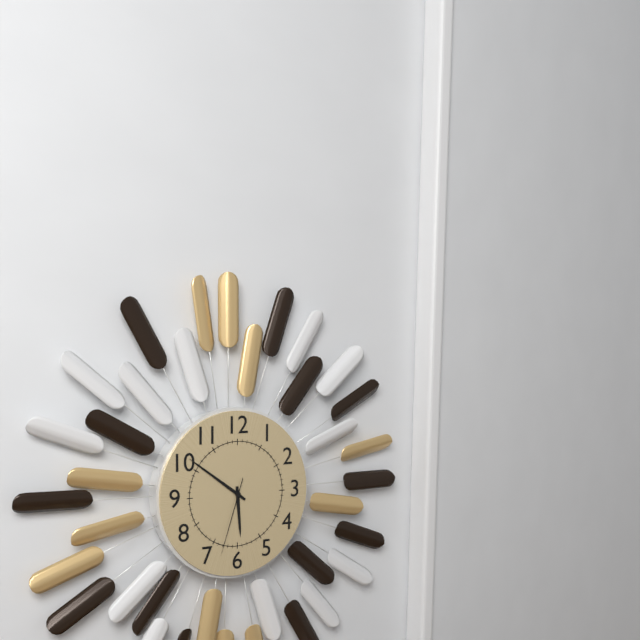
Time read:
h=5 m=51 s=33
